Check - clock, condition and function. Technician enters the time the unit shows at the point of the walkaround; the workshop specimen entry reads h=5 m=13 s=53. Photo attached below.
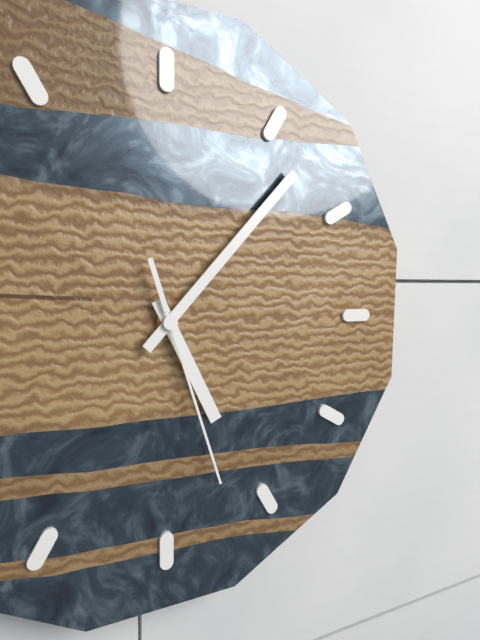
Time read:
h=5 m=7 s=27
